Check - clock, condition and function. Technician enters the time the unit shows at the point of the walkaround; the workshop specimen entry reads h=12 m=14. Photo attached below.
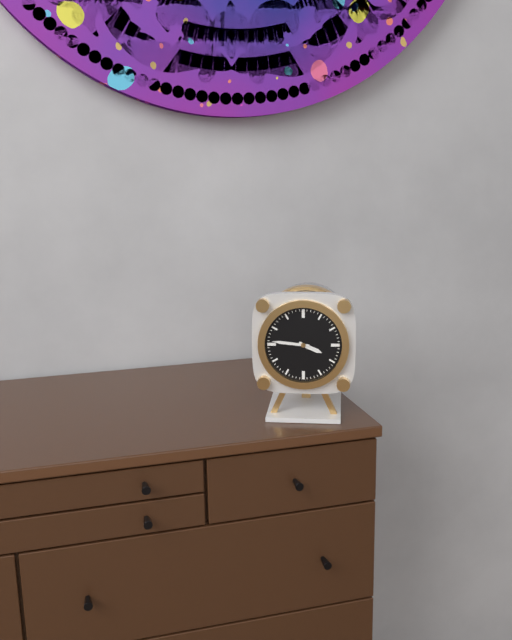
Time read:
h=3 m=46
